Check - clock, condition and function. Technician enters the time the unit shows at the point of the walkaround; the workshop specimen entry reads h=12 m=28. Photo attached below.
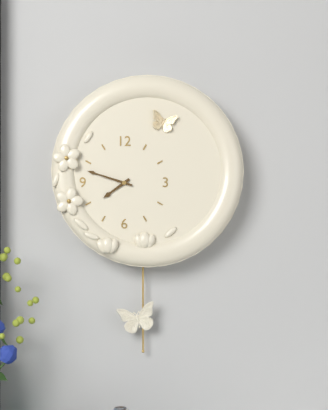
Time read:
h=7 m=48
